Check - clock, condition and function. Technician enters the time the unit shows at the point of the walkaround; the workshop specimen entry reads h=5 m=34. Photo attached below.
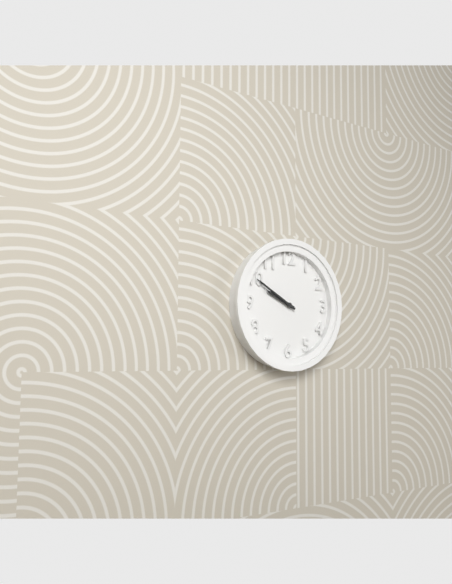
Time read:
h=9 m=50
